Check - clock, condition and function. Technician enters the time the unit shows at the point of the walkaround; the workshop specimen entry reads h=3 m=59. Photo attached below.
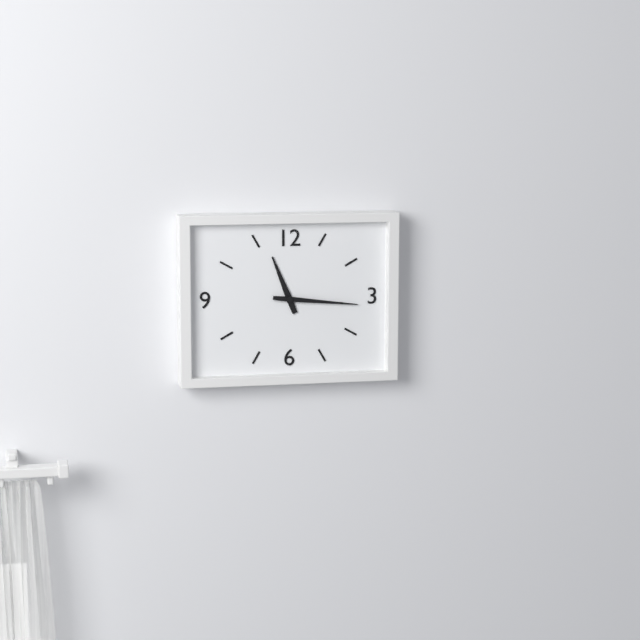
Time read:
h=11 m=16
